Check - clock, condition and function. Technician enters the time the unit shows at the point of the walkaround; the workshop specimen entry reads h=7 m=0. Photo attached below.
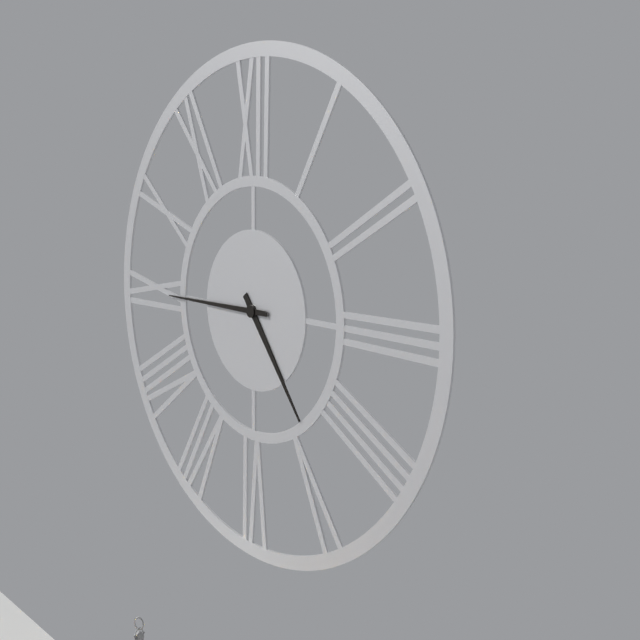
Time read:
h=4 m=45
